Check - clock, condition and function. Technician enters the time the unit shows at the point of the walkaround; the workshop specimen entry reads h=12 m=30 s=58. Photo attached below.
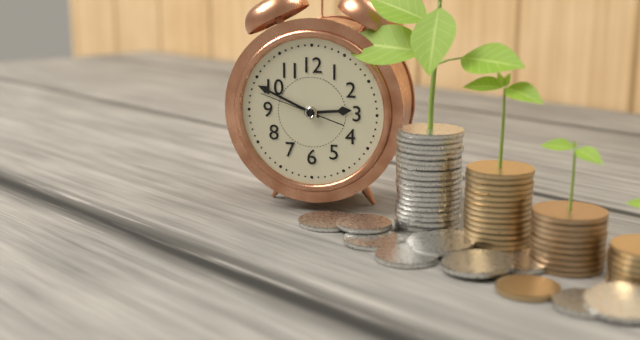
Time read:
h=2 m=49 s=48
